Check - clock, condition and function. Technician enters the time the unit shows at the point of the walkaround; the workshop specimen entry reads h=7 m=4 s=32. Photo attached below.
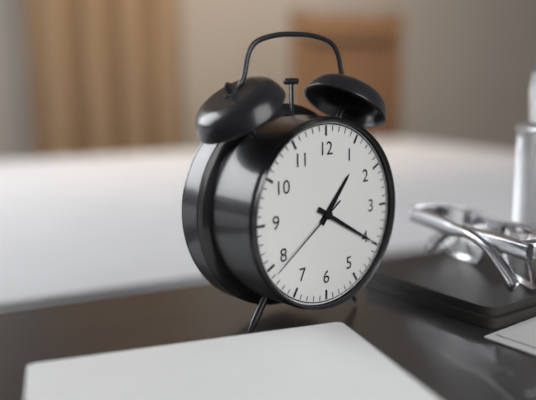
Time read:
h=1 m=20 s=39
